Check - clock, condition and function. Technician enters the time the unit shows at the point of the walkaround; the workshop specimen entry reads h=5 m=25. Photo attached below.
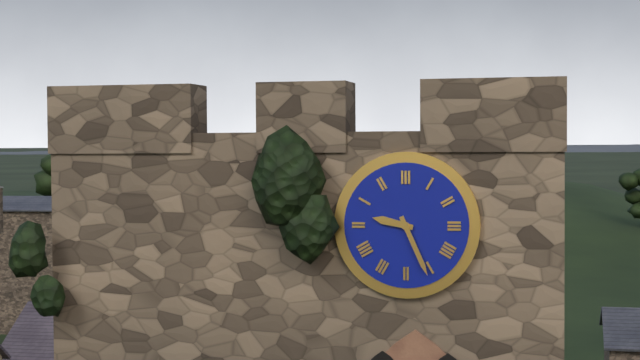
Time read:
h=9 m=26
